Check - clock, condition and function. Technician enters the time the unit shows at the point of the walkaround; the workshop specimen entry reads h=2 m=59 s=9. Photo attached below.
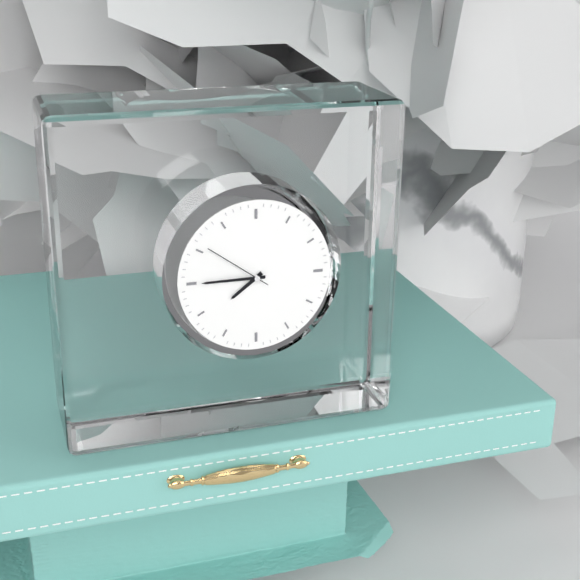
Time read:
h=7 m=45 s=51
